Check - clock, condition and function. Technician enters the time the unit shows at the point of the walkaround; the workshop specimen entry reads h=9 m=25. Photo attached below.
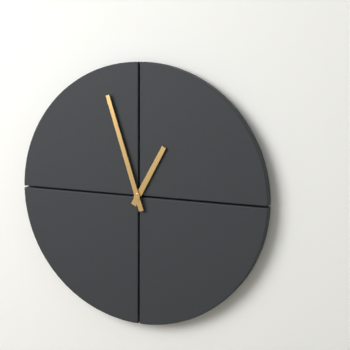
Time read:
h=12 m=57
